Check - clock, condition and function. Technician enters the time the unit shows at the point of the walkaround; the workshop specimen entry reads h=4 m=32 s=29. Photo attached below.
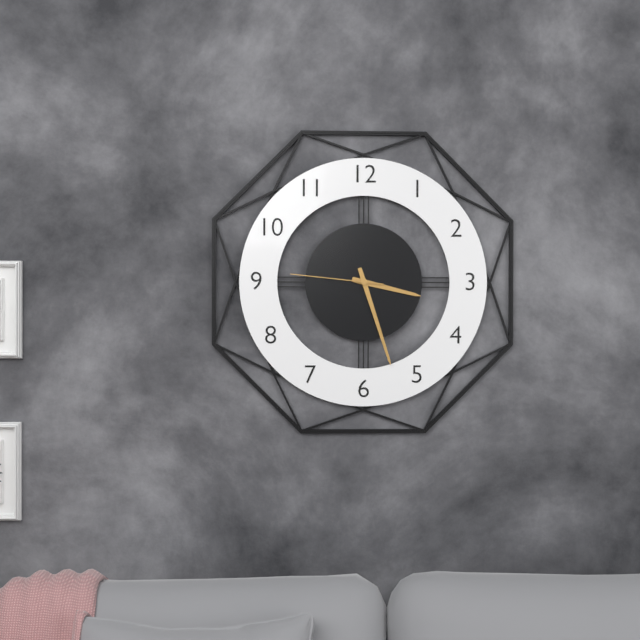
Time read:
h=3 m=27 s=46
